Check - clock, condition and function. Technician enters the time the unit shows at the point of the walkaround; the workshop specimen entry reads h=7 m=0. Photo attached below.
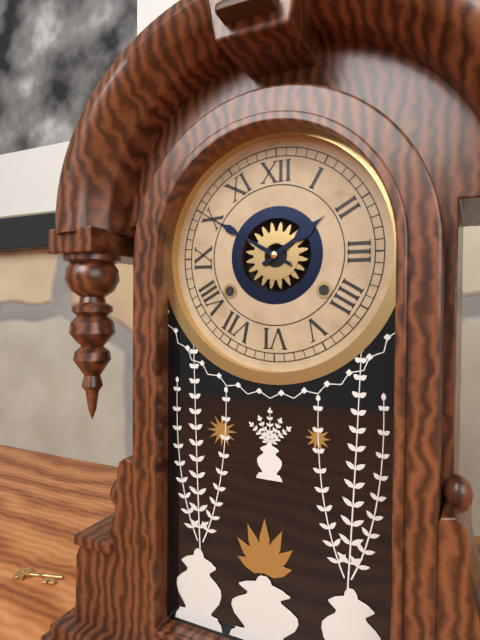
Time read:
h=1 m=50
